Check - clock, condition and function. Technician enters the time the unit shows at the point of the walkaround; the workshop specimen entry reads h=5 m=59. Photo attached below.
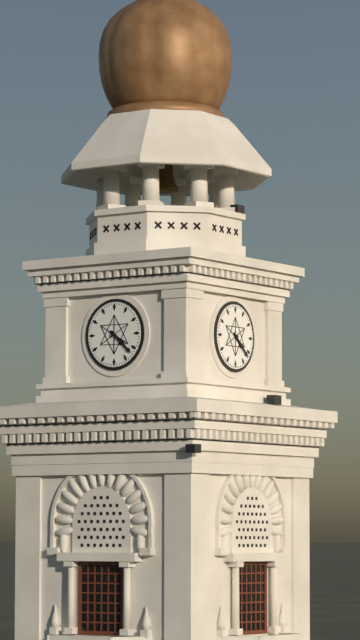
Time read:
h=4 m=22
